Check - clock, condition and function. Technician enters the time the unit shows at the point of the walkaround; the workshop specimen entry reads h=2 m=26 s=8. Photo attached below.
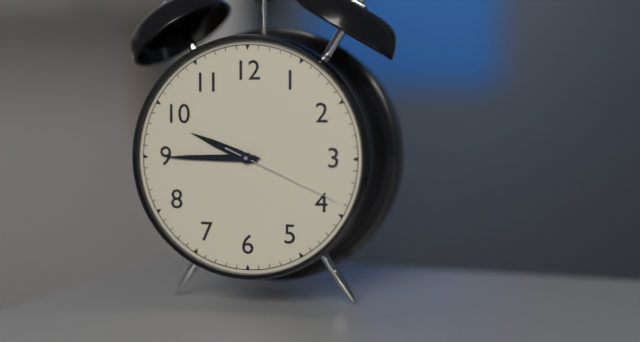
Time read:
h=9 m=45 s=19
